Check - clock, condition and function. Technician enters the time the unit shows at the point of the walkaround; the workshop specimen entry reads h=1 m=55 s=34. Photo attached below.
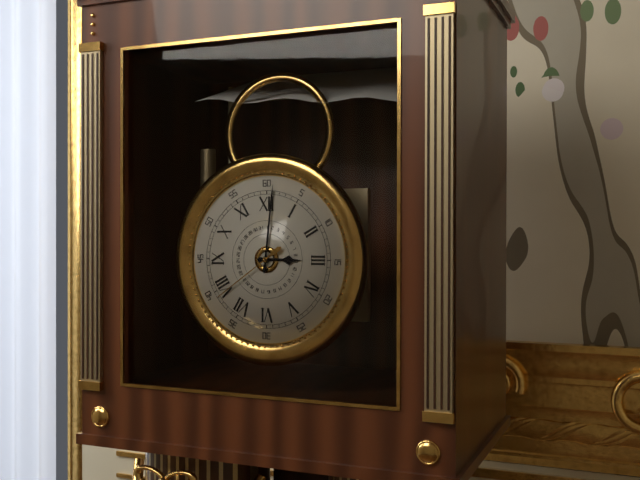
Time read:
h=3 m=1 s=39
